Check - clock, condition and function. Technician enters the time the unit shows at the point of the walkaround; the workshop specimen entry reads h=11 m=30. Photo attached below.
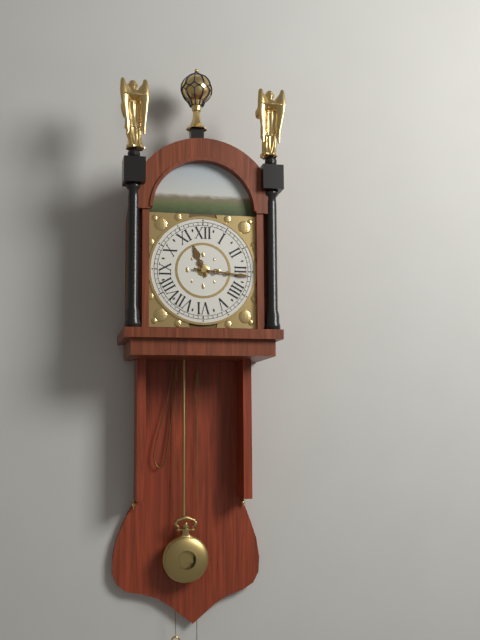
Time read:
h=11 m=16
